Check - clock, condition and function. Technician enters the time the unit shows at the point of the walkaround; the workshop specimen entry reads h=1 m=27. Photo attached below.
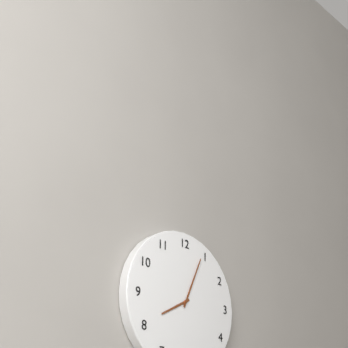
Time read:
h=8 m=4
